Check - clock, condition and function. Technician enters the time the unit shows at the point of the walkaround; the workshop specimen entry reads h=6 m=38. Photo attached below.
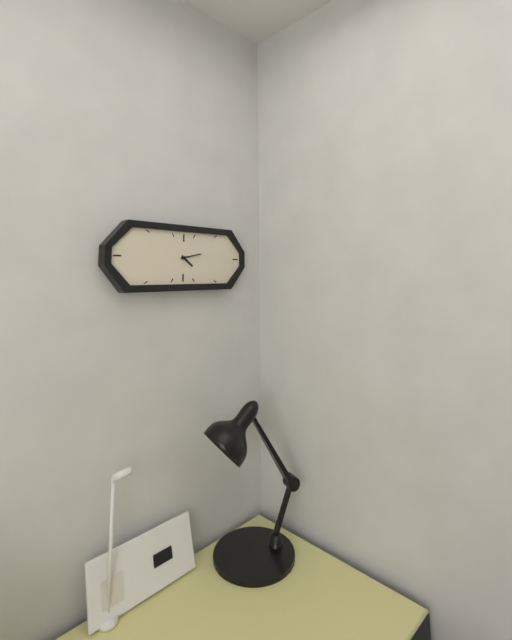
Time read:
h=4 m=13
